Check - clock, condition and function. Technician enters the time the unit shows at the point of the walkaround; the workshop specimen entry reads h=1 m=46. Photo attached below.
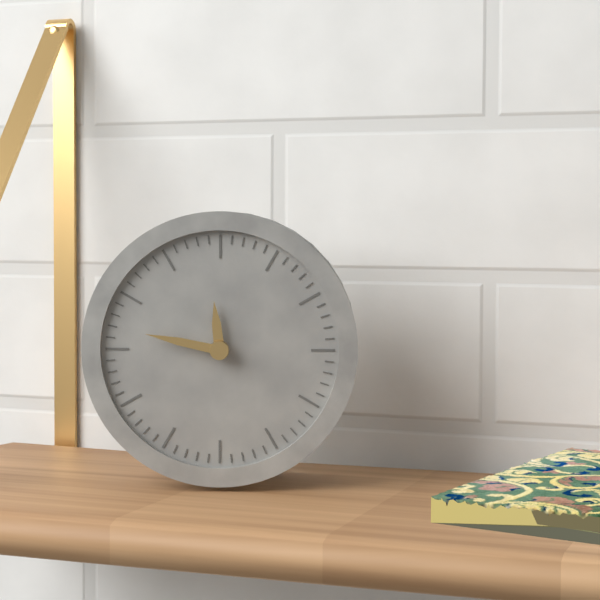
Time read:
h=11 m=47
